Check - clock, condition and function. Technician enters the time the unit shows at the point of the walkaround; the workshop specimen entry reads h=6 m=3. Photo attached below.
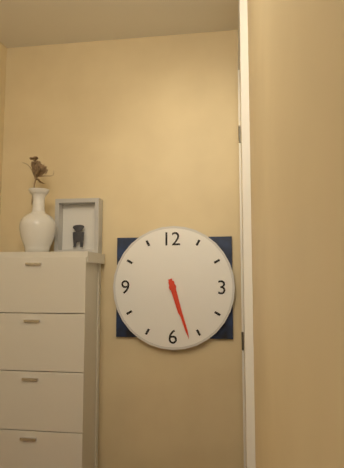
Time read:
h=5 m=27
